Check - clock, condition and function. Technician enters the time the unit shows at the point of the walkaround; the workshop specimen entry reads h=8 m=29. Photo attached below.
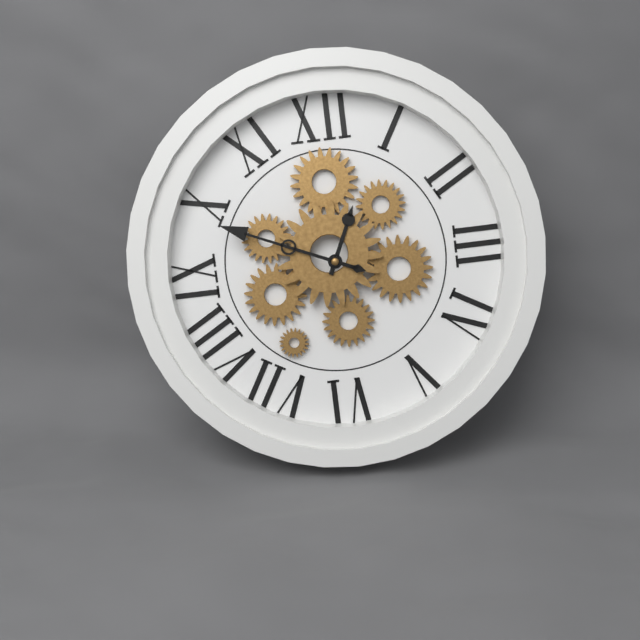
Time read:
h=12 m=49
